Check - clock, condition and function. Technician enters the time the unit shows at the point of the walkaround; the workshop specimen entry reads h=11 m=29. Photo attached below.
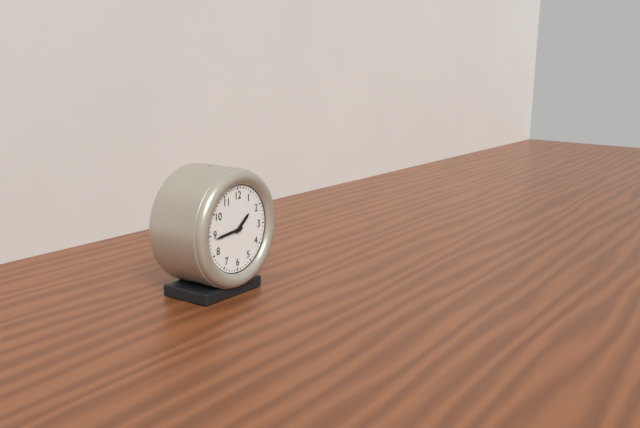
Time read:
h=1 m=44
